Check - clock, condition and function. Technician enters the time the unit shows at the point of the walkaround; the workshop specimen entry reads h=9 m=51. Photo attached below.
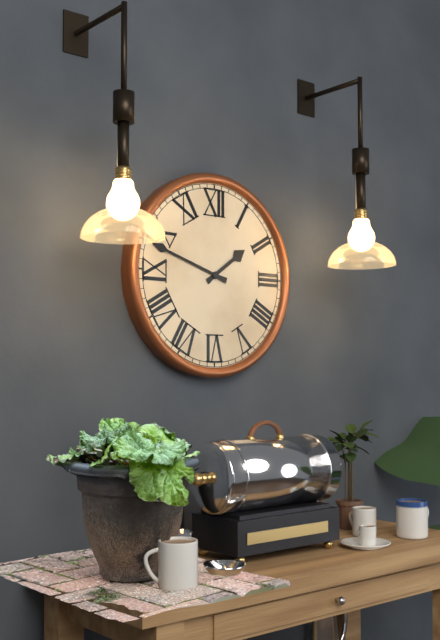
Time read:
h=1 m=48
